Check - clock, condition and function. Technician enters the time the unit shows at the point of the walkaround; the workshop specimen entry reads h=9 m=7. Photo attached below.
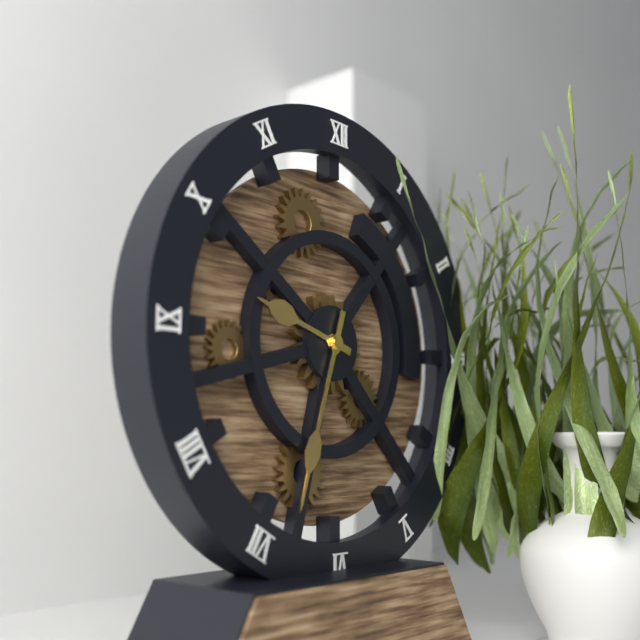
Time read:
h=9 m=33
